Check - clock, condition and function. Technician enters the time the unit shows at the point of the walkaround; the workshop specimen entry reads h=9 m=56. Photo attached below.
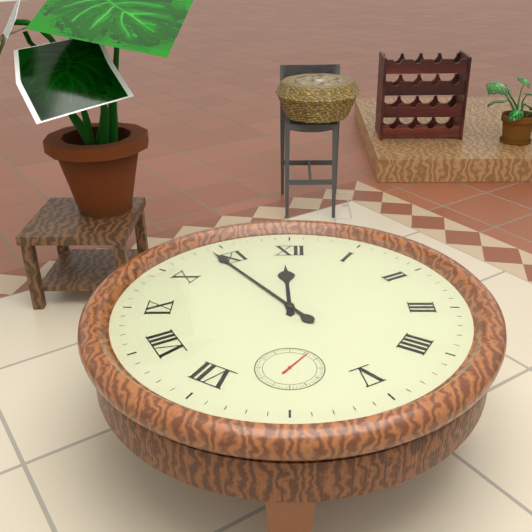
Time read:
h=11 m=54
